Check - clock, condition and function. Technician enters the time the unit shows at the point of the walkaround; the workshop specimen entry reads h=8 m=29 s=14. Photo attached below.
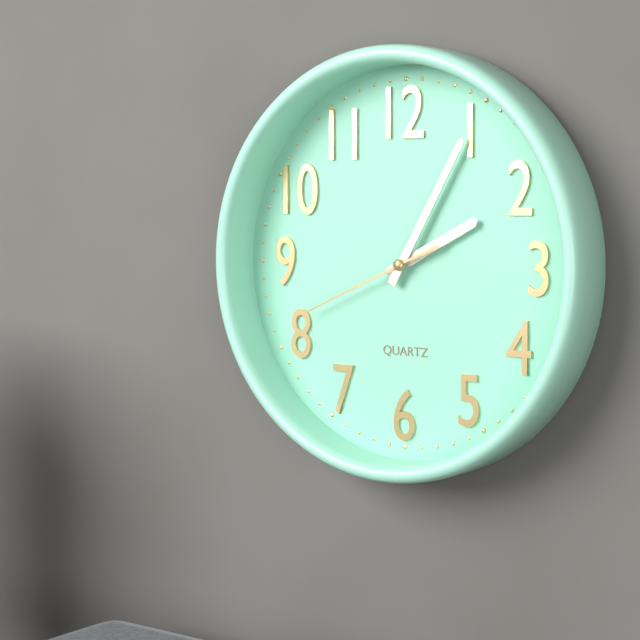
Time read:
h=2 m=5 s=41
